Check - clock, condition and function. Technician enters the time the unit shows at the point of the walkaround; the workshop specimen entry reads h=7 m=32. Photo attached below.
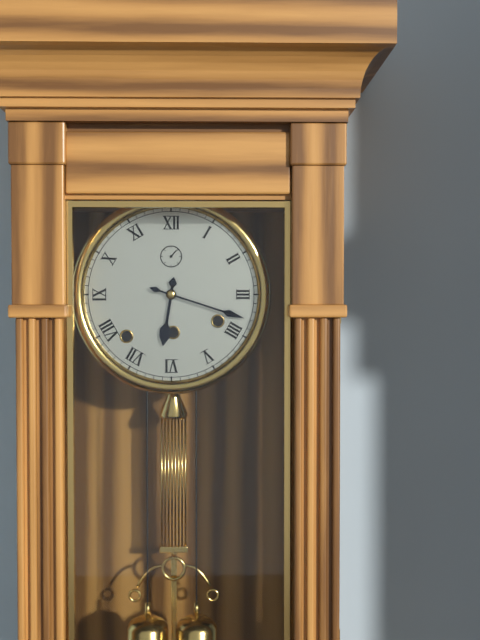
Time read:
h=6 m=18
